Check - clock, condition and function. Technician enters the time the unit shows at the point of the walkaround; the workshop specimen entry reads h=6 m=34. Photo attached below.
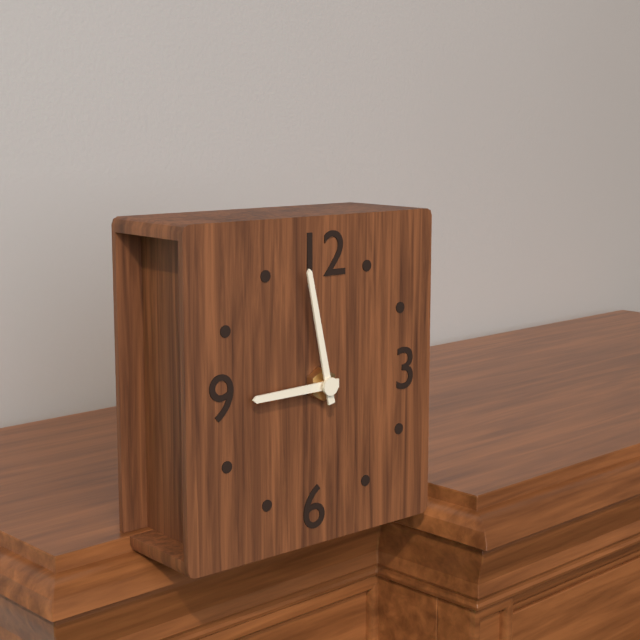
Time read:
h=8 m=58
